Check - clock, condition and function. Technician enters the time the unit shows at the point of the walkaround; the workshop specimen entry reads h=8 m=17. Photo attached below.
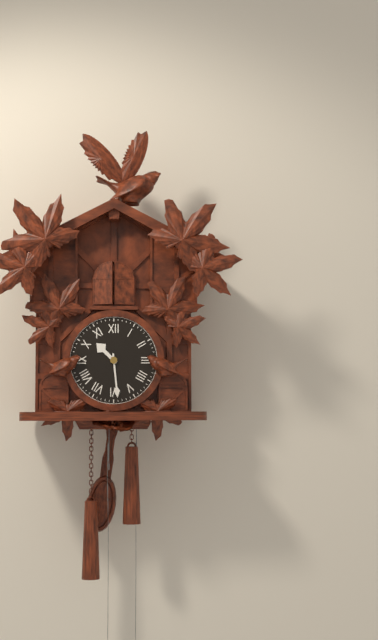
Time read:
h=10 m=29
